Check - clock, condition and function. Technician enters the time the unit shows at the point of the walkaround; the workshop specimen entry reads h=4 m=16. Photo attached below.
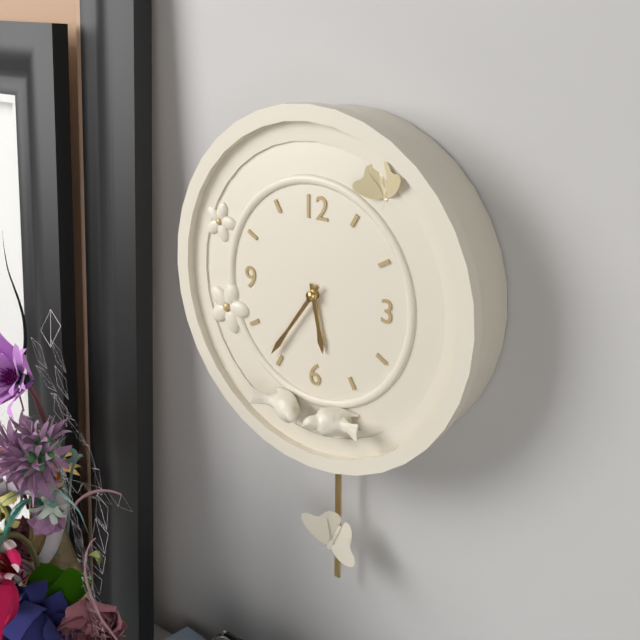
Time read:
h=5 m=36
